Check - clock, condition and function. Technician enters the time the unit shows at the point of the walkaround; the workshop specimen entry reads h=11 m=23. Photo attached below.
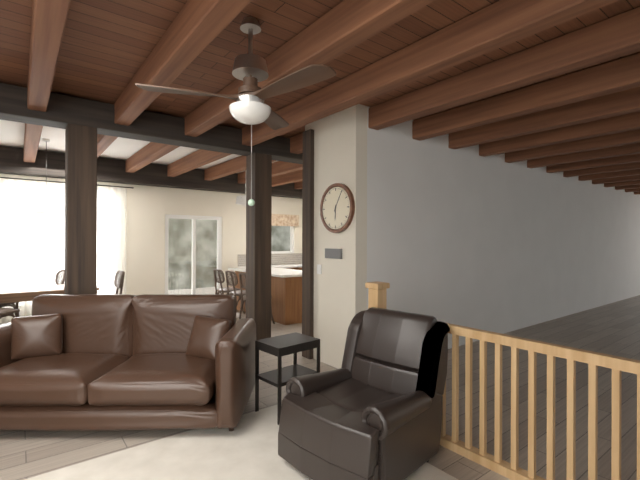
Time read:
h=6 m=5
